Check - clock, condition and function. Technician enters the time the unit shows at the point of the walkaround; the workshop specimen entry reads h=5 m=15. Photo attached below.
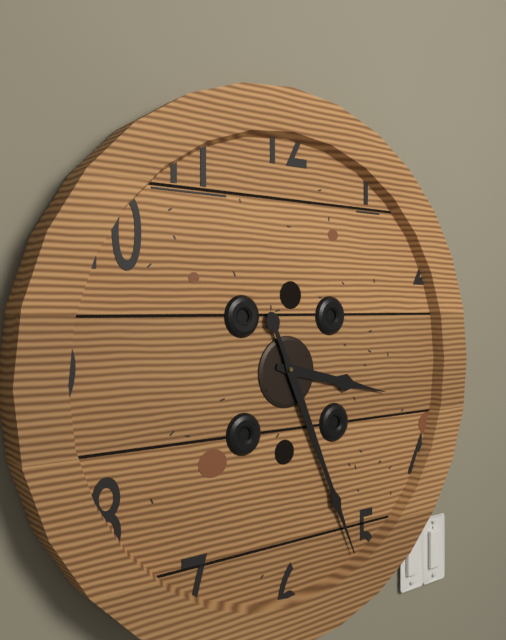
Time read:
h=3 m=26
